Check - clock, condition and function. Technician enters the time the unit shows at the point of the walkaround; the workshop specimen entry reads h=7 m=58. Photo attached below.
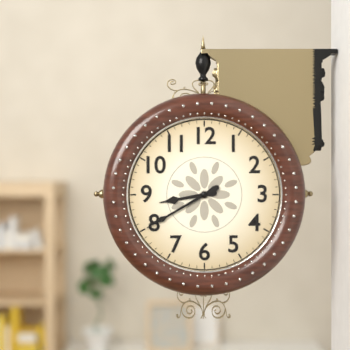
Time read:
h=8 m=40
